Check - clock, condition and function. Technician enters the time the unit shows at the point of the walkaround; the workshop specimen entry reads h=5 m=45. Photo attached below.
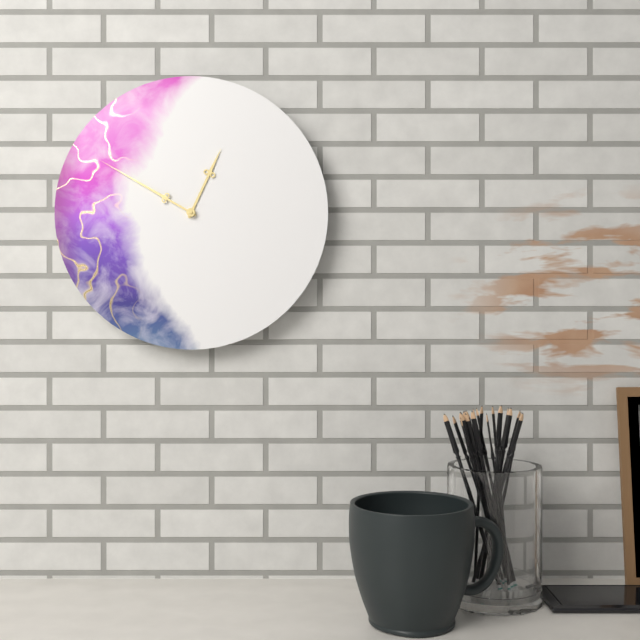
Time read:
h=12 m=50
